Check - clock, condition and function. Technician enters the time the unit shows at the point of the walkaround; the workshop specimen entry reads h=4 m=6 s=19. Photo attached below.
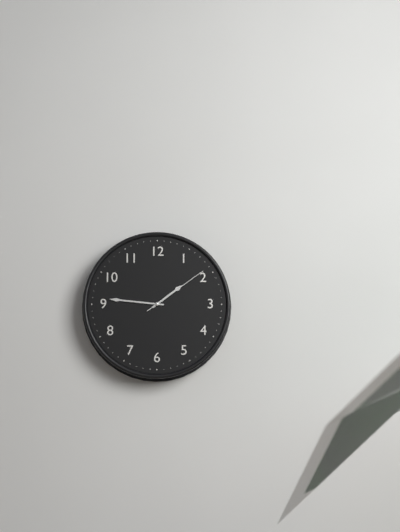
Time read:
h=1 m=46 s=9
